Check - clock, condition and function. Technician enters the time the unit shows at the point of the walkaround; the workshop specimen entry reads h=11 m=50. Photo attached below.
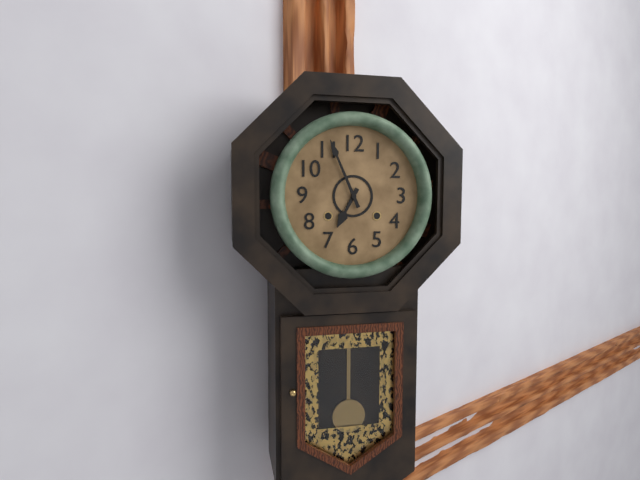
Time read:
h=6 m=56
